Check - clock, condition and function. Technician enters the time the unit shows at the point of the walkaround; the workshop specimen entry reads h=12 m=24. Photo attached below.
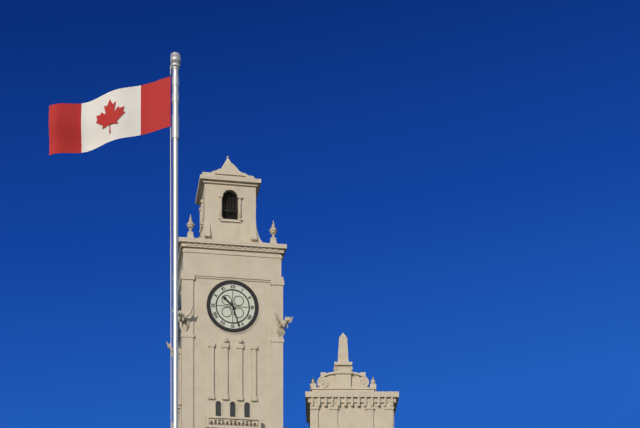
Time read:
h=10 m=27
